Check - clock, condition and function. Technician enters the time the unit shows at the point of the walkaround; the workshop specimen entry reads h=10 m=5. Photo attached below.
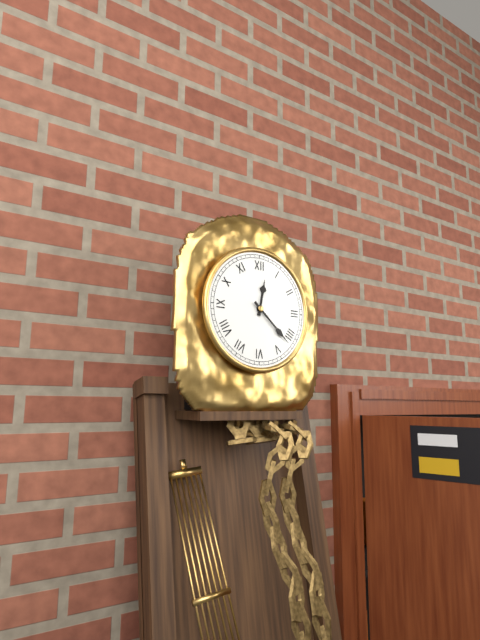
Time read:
h=12 m=22
